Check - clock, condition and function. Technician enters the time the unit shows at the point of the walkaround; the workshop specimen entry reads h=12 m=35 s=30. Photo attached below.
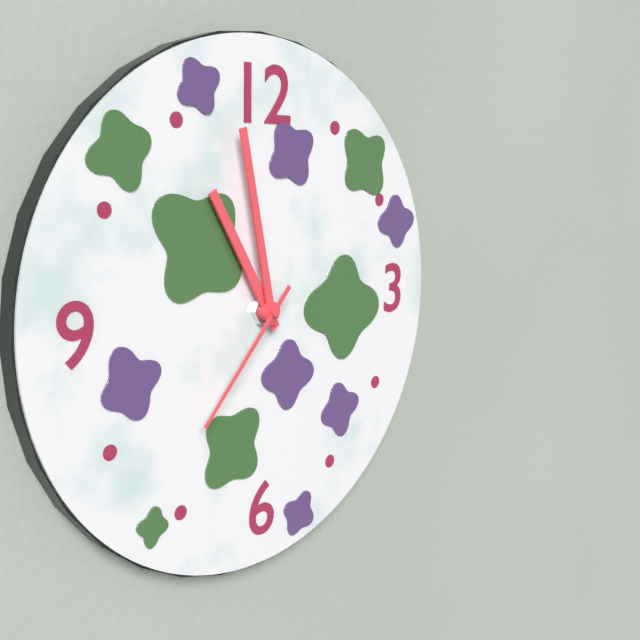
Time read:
h=10 m=58 s=37
